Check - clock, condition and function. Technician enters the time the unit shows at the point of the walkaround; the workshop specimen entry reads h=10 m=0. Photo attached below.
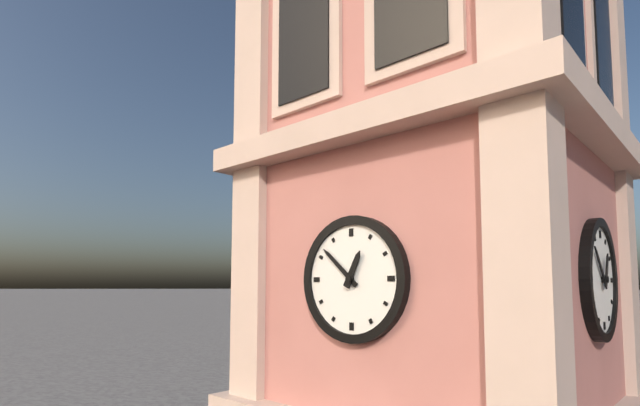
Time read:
h=12 m=52
